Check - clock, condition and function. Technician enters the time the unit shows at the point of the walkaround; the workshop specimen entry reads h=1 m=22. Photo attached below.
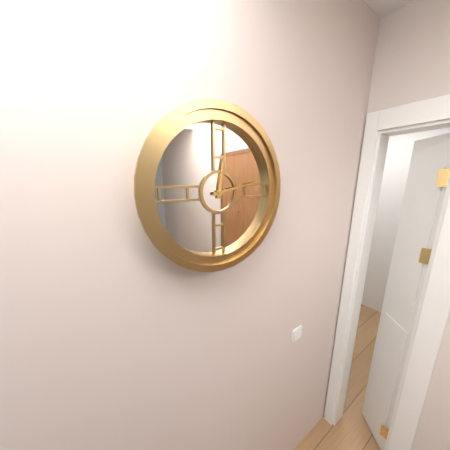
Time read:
h=12 m=13
